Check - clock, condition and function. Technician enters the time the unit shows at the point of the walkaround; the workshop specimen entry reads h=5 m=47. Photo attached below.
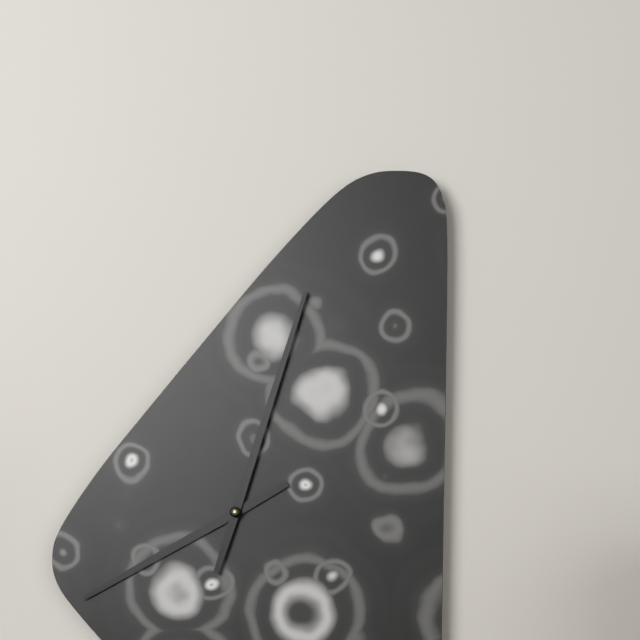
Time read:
h=8 m=3
